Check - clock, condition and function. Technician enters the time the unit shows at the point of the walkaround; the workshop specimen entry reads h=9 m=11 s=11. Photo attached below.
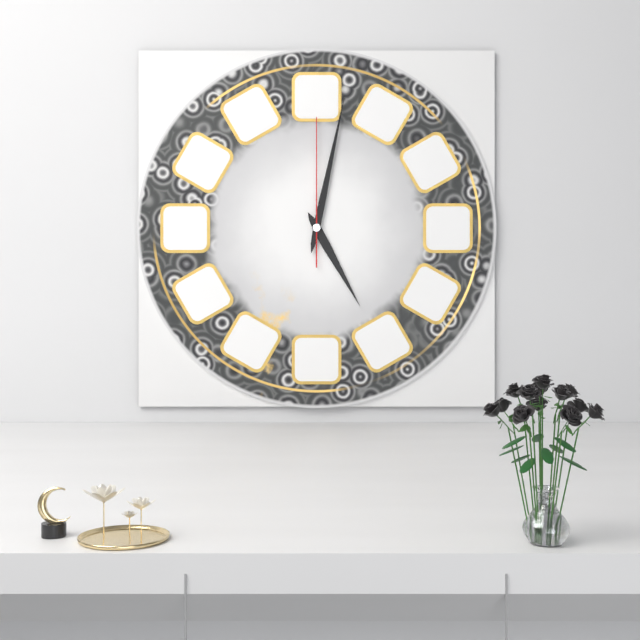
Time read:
h=5 m=2 s=0
